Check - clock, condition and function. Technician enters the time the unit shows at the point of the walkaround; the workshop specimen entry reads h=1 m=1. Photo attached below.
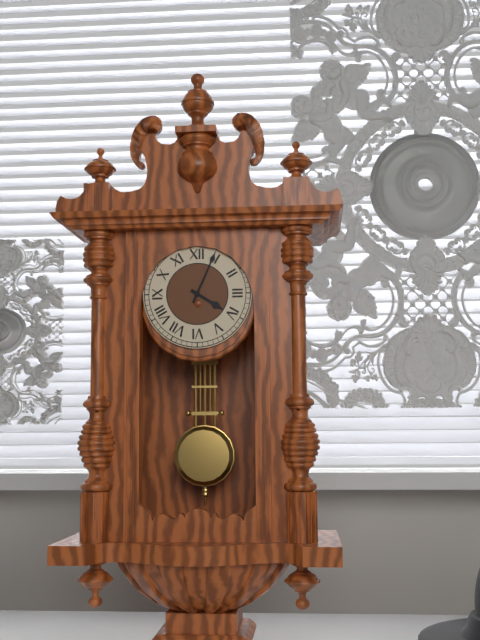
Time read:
h=4 m=4
